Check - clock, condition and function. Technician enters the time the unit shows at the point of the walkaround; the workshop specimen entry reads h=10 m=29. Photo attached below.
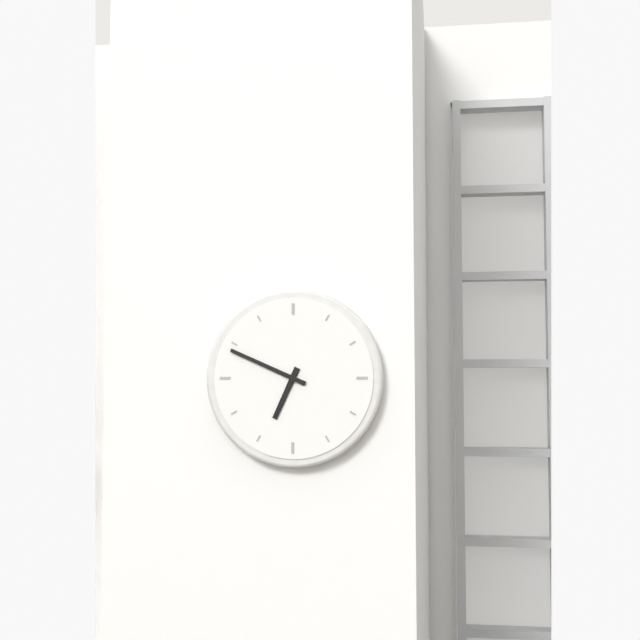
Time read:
h=6 m=49
